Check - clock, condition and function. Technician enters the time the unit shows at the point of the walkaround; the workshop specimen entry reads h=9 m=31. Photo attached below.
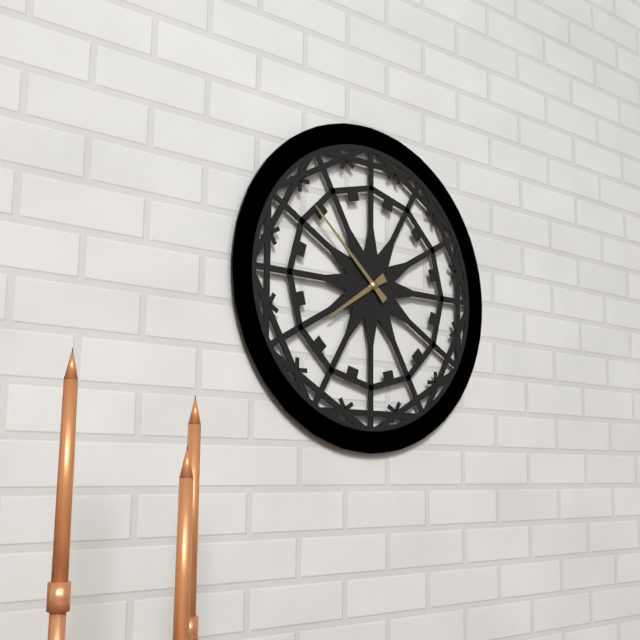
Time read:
h=7 m=52
